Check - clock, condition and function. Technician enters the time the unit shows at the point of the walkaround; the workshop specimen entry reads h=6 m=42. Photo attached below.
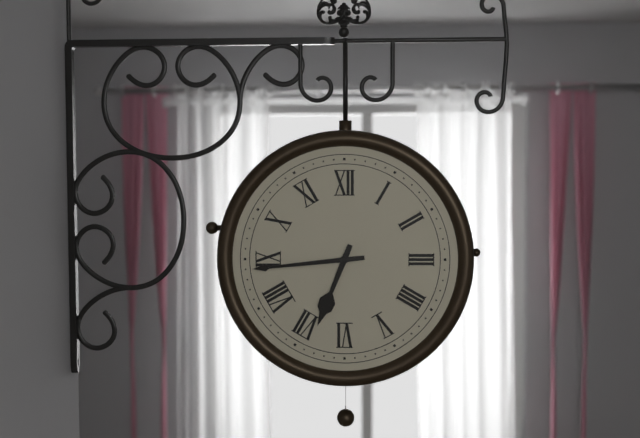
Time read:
h=6 m=44
